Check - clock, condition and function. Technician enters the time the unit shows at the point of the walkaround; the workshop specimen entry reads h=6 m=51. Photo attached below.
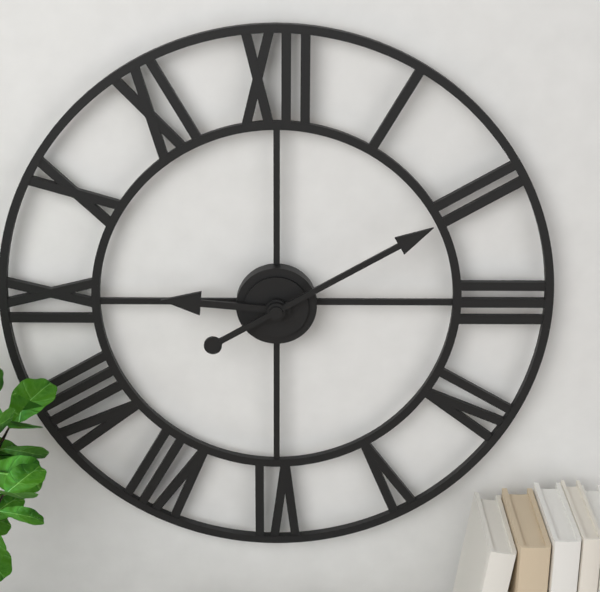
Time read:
h=9 m=10
